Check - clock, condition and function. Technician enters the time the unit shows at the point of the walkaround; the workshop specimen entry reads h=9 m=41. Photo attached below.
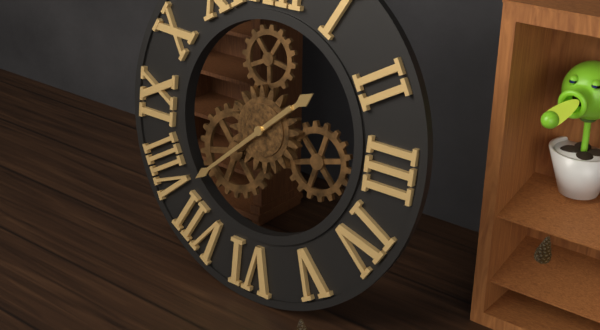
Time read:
h=1 m=38
